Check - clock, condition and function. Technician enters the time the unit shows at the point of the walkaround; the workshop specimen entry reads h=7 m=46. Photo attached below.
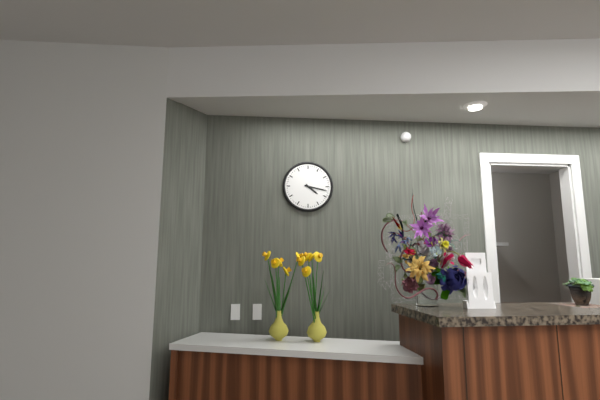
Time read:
h=4 m=17
